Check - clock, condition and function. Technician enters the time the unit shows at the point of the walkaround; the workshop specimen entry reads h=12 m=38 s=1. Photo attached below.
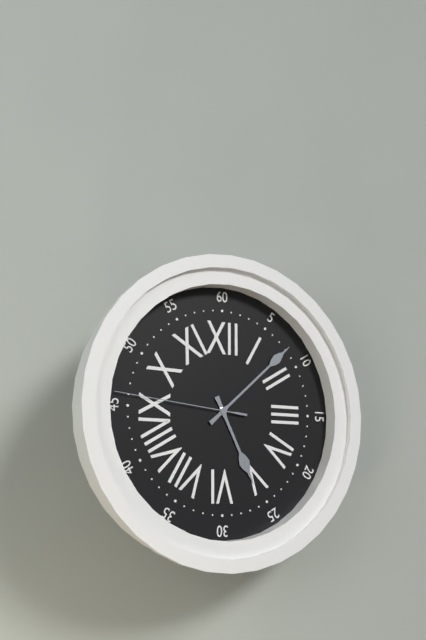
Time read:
h=5 m=8 s=46
